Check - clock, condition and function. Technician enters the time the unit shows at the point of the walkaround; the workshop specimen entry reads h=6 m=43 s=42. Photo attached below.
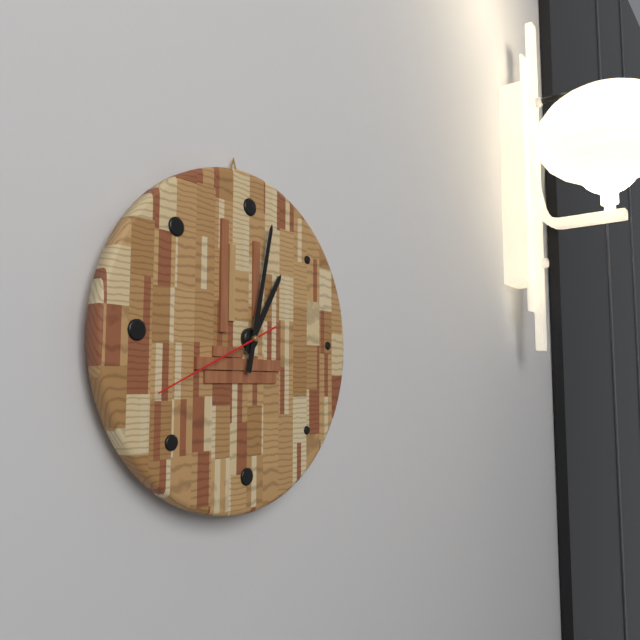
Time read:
h=1 m=2 s=41
